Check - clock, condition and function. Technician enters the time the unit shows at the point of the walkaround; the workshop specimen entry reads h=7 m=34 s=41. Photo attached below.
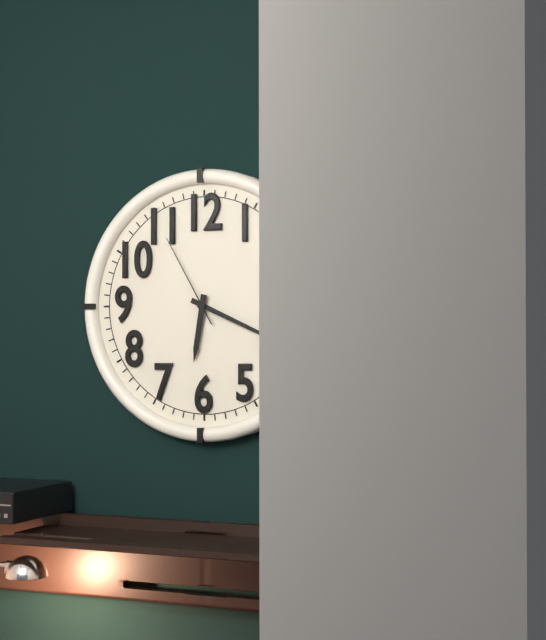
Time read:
h=6 m=19 s=55
